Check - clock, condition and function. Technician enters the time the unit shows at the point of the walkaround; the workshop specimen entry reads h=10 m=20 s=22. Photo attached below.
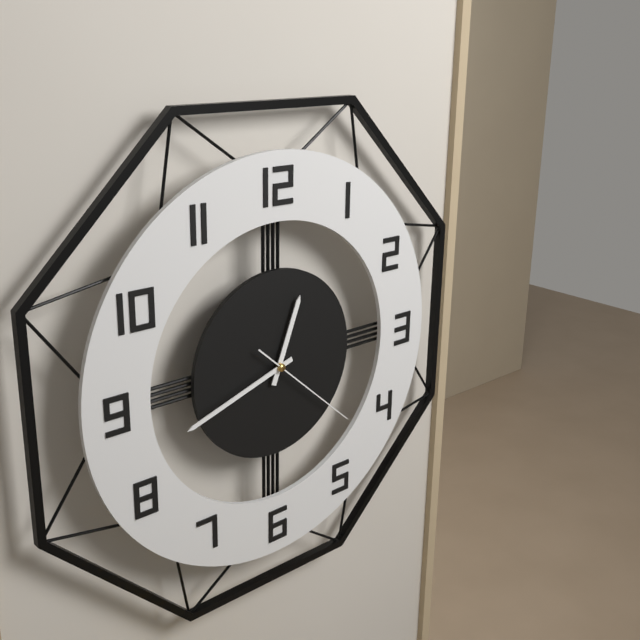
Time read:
h=12 m=42 s=22
